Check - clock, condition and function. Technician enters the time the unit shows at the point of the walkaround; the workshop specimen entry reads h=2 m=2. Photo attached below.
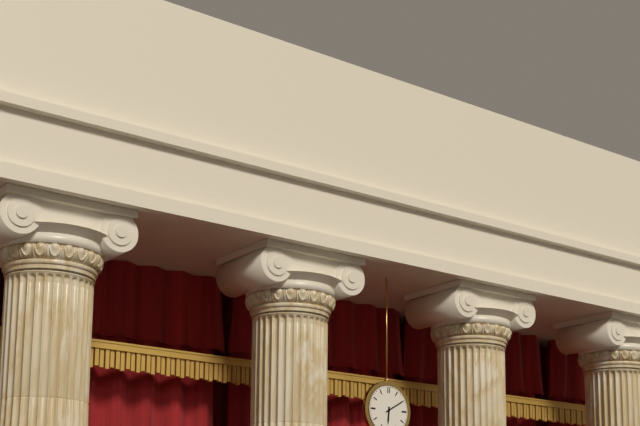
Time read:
h=6 m=10
